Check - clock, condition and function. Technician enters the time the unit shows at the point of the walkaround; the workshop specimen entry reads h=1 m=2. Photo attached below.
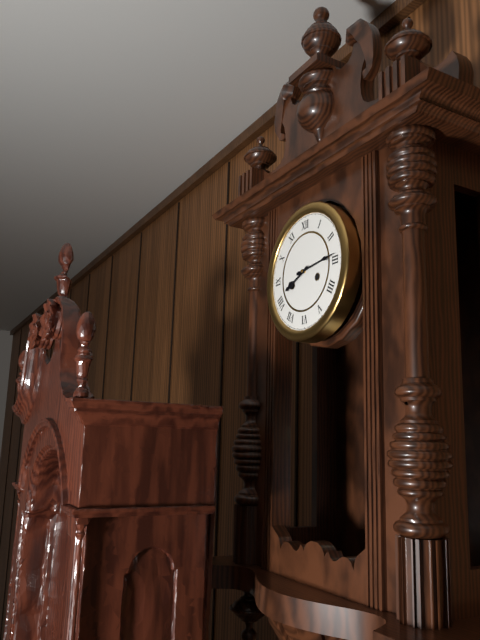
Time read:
h=8 m=14
